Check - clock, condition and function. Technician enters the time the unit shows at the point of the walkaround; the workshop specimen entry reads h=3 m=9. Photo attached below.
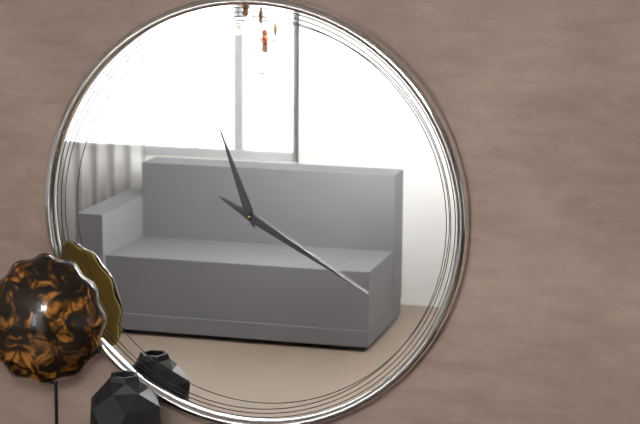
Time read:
h=11 m=20
